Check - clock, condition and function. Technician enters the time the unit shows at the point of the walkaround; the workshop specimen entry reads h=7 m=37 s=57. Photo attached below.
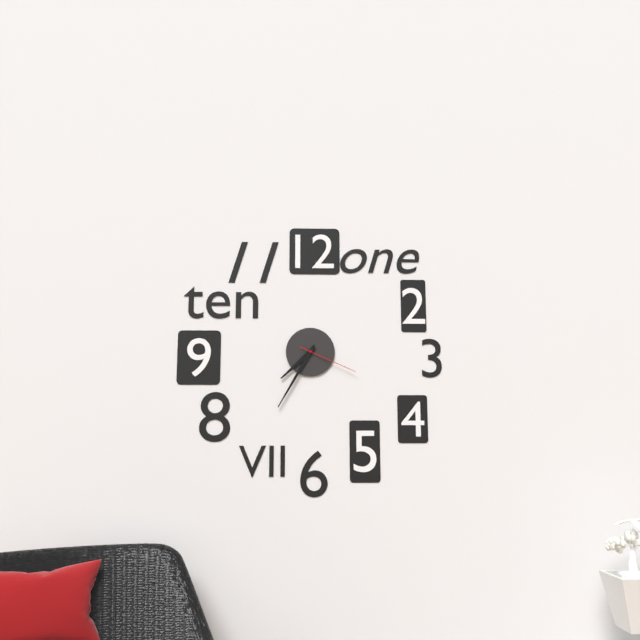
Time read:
h=7 m=35 s=19
